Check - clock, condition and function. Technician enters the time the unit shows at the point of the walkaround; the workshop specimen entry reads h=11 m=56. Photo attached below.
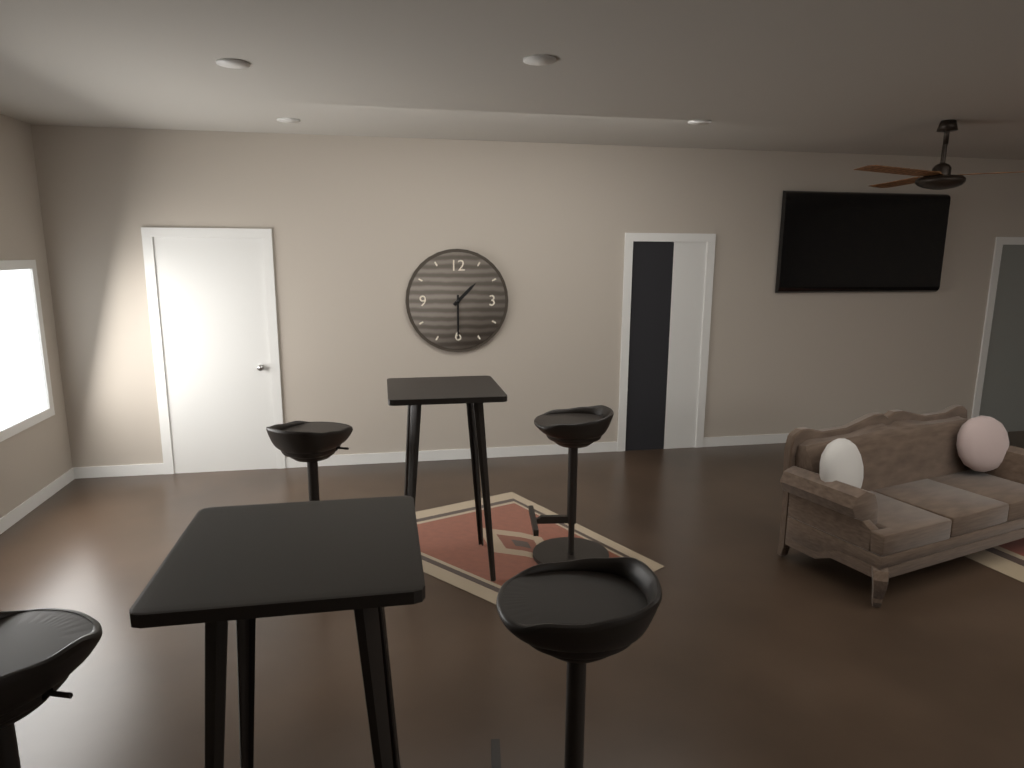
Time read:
h=1 m=30
